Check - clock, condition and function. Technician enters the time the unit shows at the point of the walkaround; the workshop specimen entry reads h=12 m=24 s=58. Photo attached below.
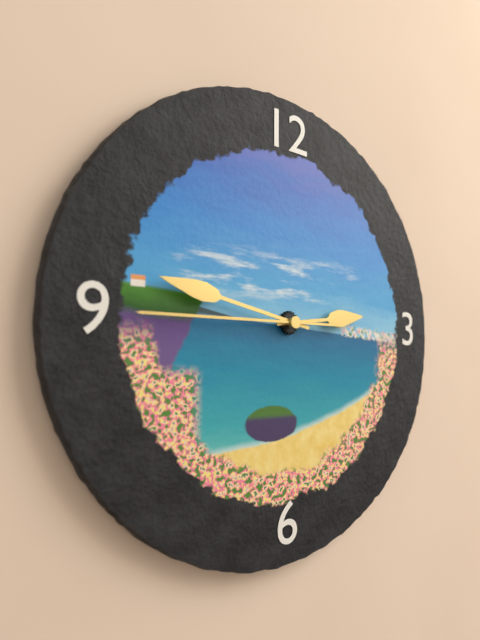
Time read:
h=2 m=47 s=45
